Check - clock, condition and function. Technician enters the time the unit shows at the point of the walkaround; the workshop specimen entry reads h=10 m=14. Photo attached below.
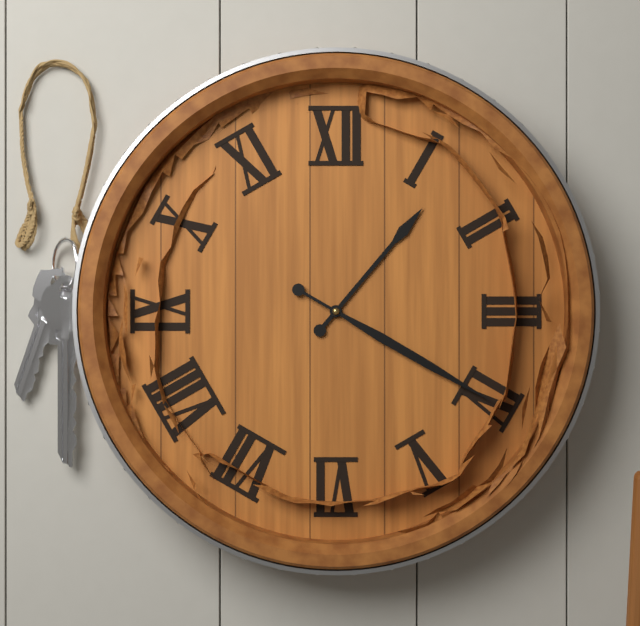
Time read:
h=1 m=20
